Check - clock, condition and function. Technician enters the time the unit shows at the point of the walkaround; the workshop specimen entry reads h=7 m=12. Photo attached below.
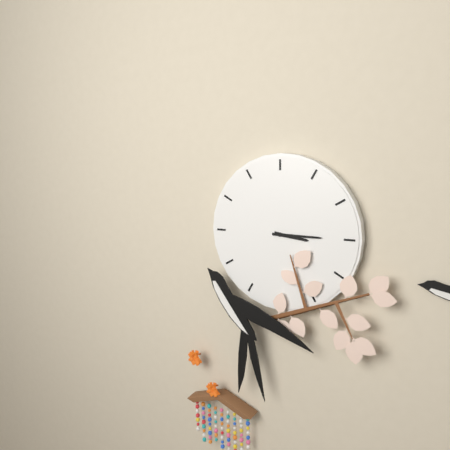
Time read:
h=3 m=15
